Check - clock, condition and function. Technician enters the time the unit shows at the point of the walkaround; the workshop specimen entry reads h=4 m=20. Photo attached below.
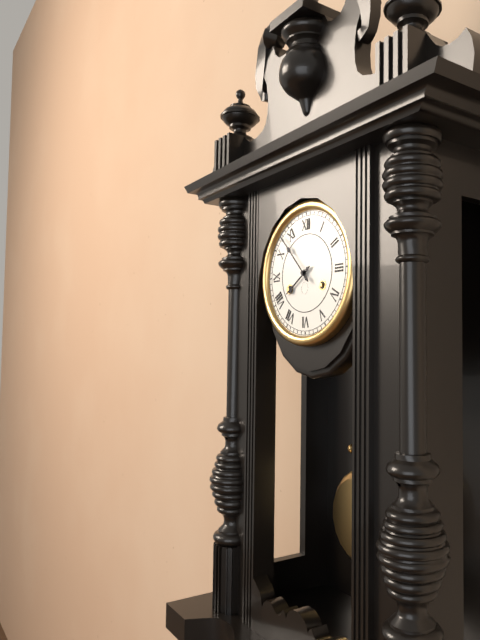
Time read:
h=7 m=53
